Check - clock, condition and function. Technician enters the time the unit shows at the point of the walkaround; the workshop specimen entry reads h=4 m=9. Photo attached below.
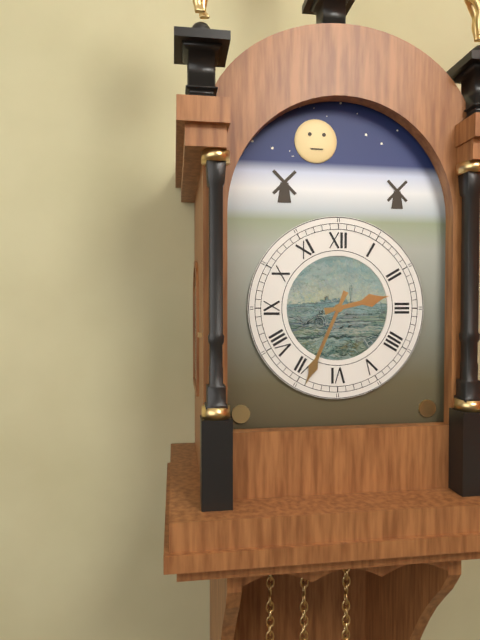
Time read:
h=2 m=34
